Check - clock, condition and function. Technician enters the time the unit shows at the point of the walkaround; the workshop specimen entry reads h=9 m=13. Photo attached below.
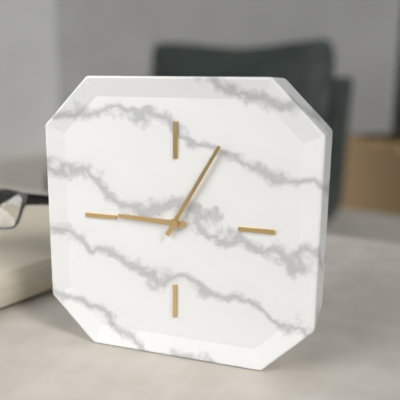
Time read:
h=9 m=5
